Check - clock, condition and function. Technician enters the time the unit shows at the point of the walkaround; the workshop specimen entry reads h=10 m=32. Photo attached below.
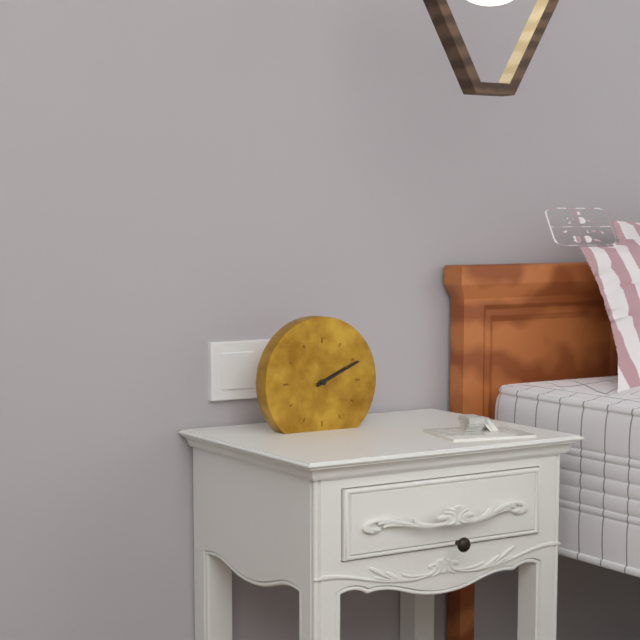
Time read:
h=2 m=11
